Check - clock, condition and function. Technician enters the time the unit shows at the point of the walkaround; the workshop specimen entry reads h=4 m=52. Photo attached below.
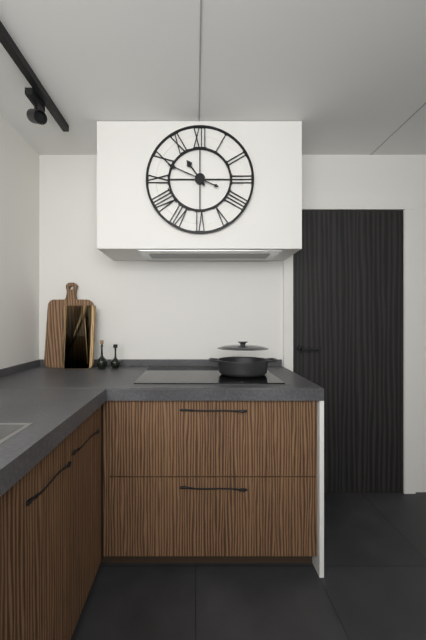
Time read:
h=10 m=49
